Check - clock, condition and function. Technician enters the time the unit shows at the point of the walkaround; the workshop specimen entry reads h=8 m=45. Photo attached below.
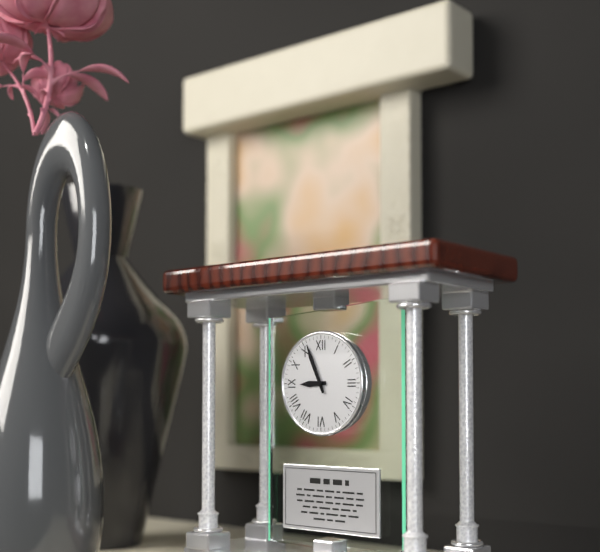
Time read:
h=8 m=56
